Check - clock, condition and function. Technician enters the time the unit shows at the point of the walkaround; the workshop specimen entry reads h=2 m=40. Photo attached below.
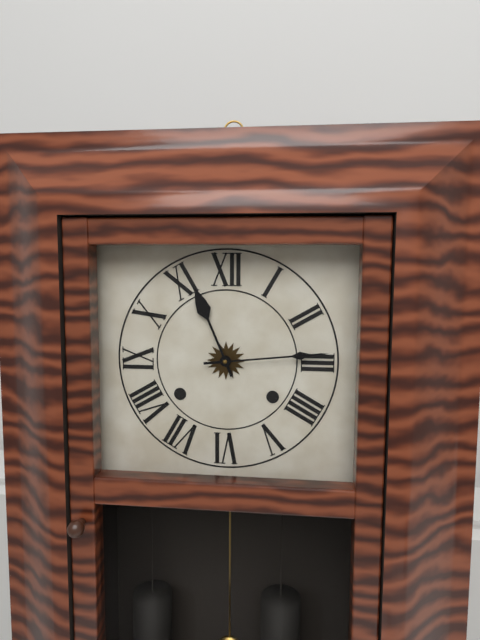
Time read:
h=11 m=14
